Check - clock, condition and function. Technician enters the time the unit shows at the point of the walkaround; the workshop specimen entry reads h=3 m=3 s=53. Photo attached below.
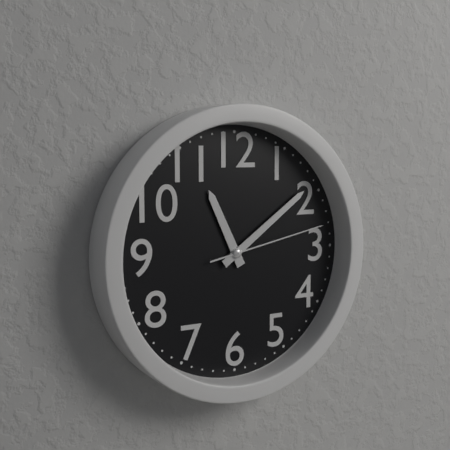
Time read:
h=11 m=9 s=13
